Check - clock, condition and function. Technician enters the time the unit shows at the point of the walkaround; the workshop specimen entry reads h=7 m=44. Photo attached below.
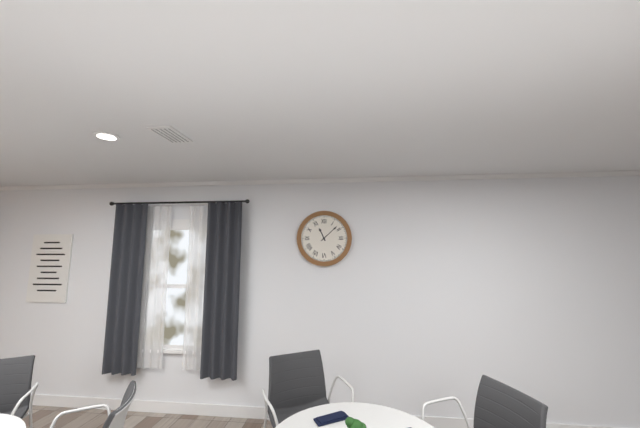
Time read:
h=11 m=8
